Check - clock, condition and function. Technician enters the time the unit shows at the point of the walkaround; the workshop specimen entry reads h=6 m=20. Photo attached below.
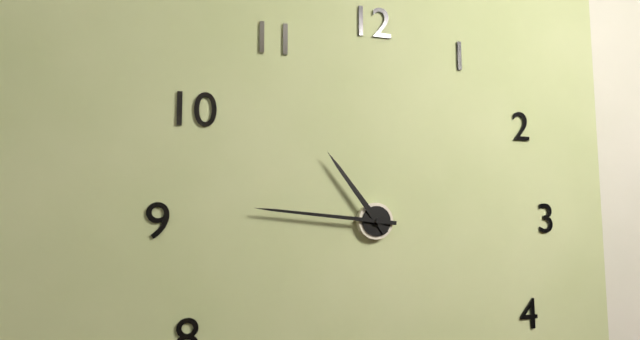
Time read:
h=10 m=46
